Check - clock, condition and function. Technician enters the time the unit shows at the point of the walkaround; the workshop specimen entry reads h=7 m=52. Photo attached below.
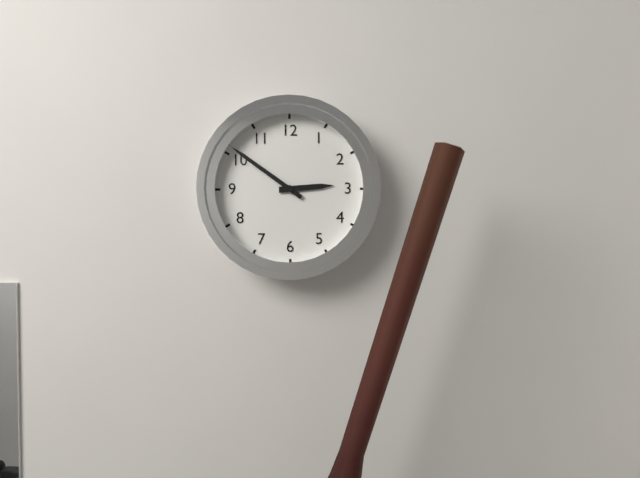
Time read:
h=2 m=51
